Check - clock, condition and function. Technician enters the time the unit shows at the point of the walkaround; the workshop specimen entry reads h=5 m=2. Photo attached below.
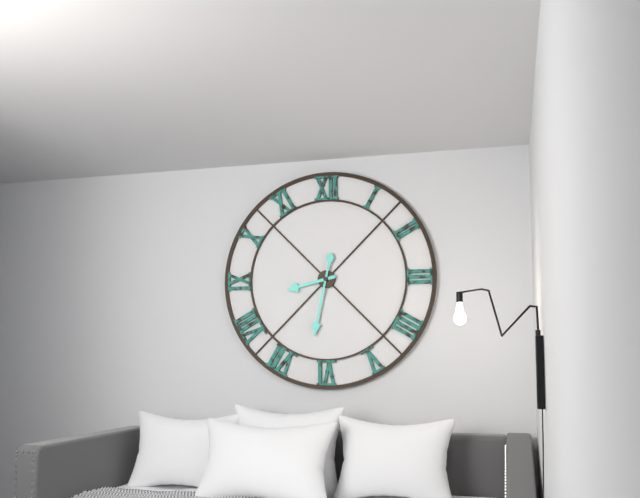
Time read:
h=8 m=32
